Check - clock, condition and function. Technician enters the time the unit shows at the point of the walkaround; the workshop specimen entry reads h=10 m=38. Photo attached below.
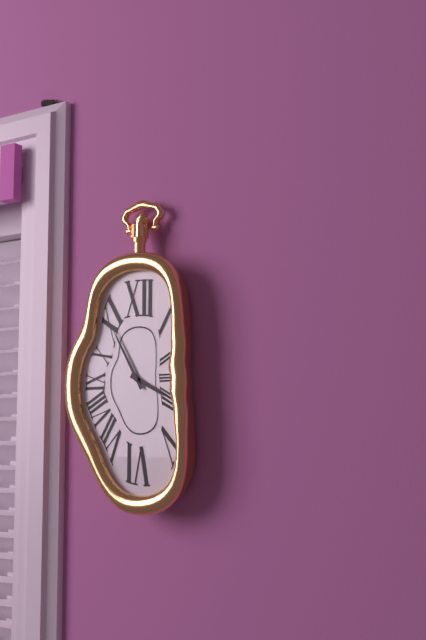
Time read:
h=3 m=55
